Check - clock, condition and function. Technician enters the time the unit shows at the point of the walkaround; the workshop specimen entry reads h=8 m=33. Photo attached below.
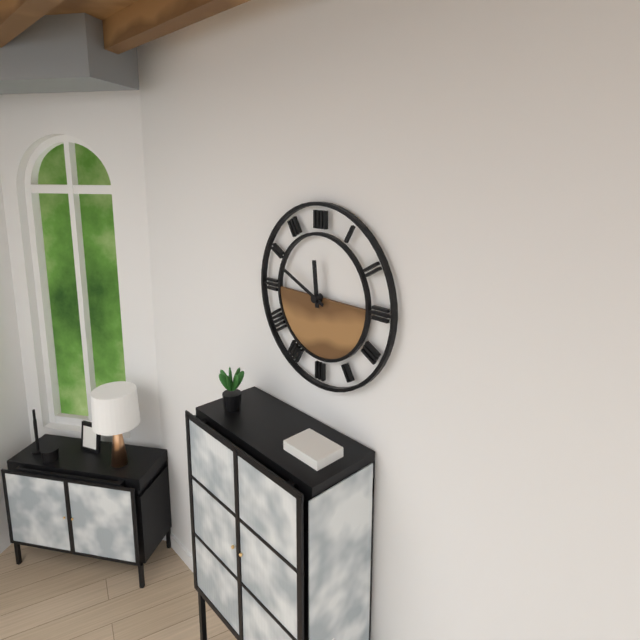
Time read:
h=11 m=49
